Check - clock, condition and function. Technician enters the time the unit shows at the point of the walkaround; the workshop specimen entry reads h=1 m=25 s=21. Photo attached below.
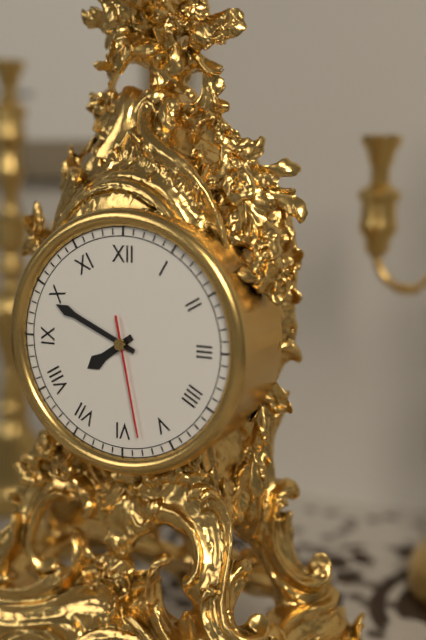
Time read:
h=7 m=49 s=28
